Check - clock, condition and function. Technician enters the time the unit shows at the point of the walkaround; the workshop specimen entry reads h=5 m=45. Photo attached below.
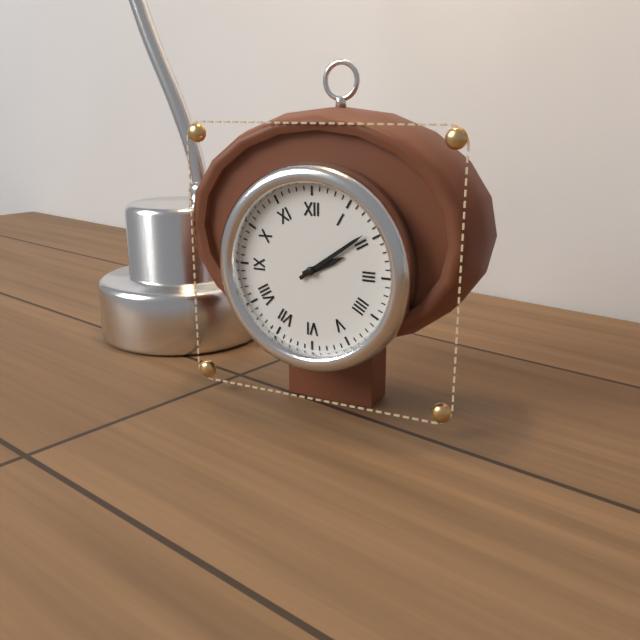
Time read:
h=2 m=9
